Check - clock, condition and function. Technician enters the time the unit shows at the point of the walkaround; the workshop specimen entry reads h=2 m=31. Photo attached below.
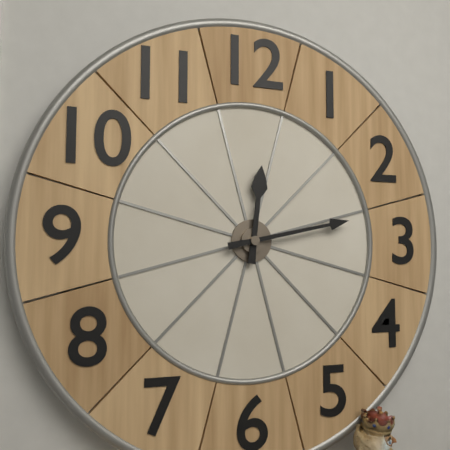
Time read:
h=12 m=13
